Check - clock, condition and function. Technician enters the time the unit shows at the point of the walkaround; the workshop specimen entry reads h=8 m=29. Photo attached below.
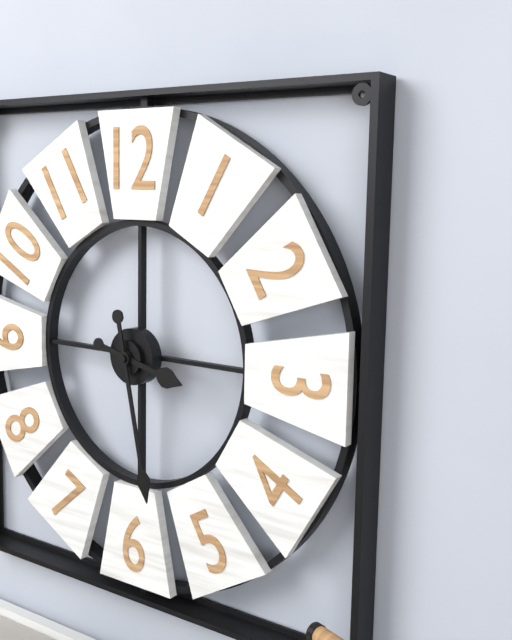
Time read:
h=3 m=28
